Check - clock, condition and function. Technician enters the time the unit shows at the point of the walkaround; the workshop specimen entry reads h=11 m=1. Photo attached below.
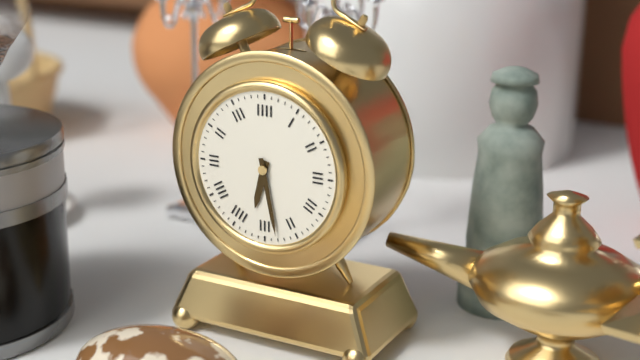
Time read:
h=6 m=28
